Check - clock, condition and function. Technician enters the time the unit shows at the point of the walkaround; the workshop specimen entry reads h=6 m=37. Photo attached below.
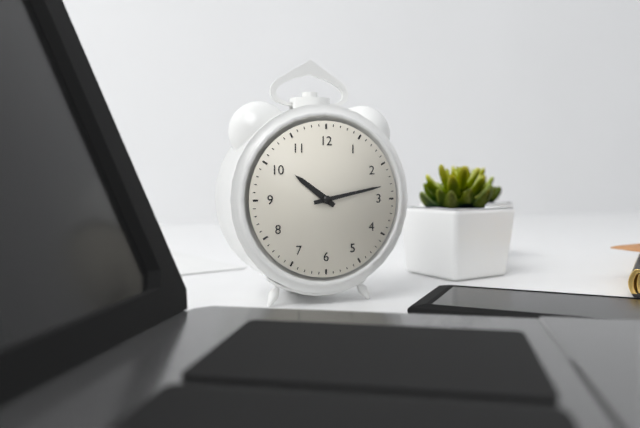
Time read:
h=10 m=13
